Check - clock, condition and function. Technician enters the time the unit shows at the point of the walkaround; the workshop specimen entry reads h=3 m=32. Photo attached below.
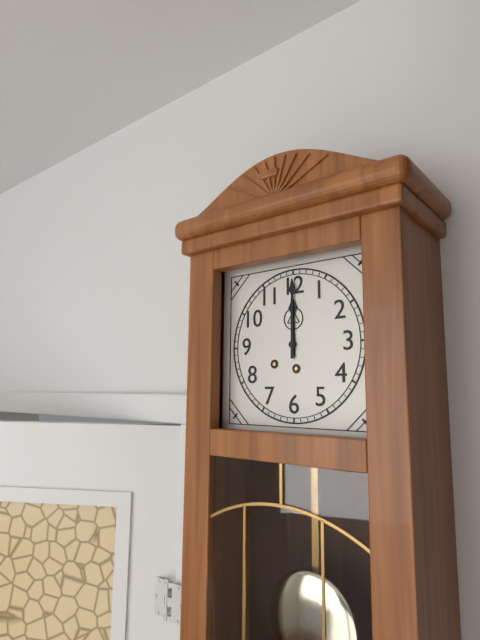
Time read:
h=12 m=0
